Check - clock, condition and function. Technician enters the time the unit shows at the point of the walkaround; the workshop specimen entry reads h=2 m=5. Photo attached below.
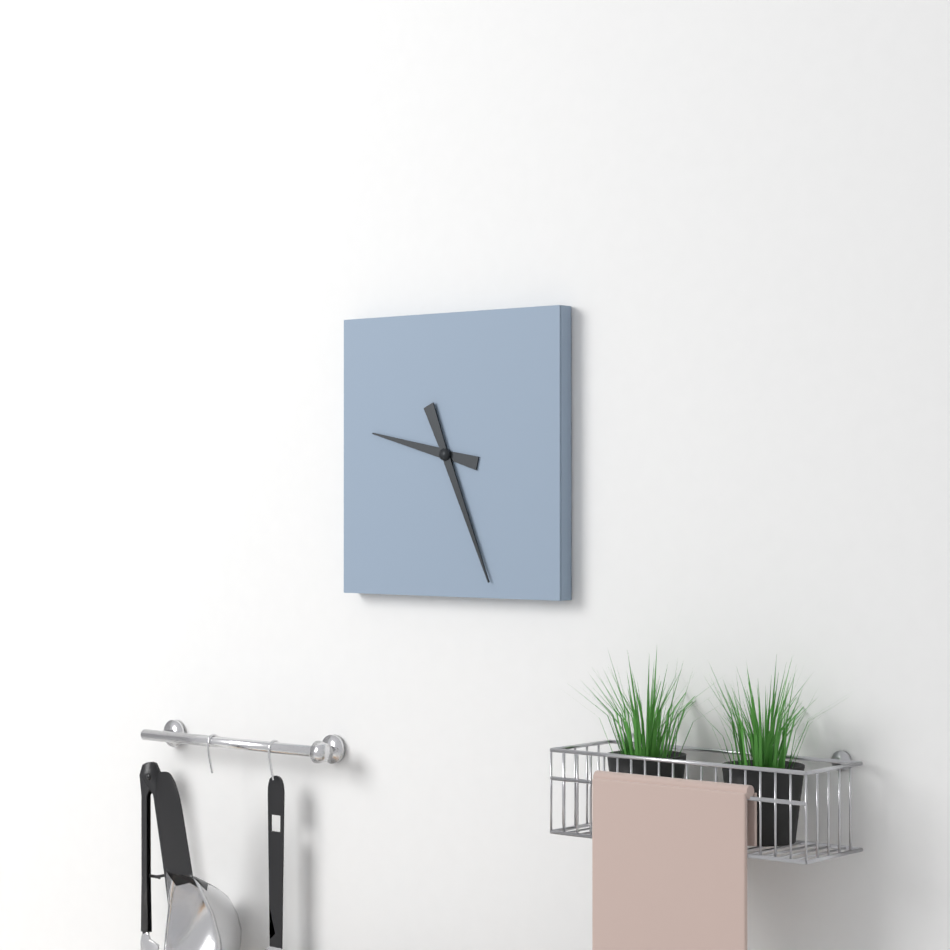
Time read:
h=9 m=26
